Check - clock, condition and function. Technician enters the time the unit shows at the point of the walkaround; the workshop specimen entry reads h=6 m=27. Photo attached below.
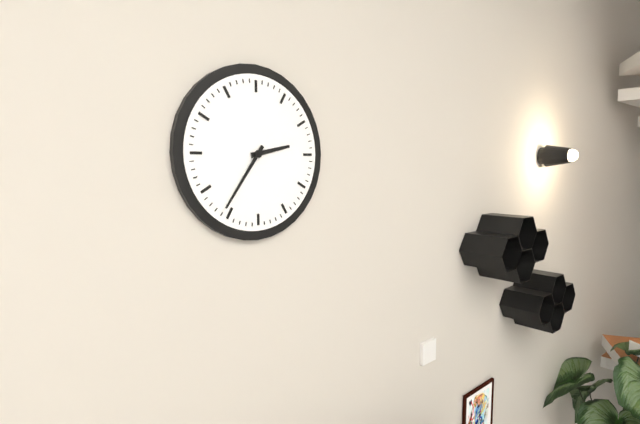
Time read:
h=2 m=36
